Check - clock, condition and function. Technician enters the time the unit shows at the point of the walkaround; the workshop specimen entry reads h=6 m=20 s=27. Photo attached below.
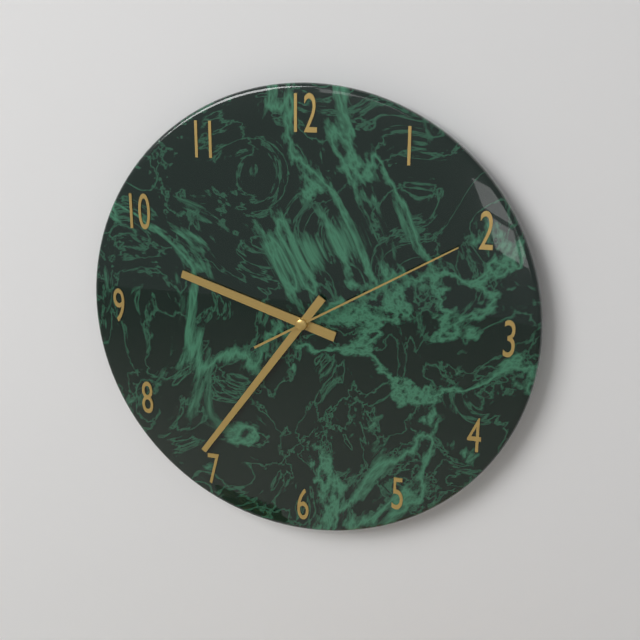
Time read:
h=9 m=36 s=10
